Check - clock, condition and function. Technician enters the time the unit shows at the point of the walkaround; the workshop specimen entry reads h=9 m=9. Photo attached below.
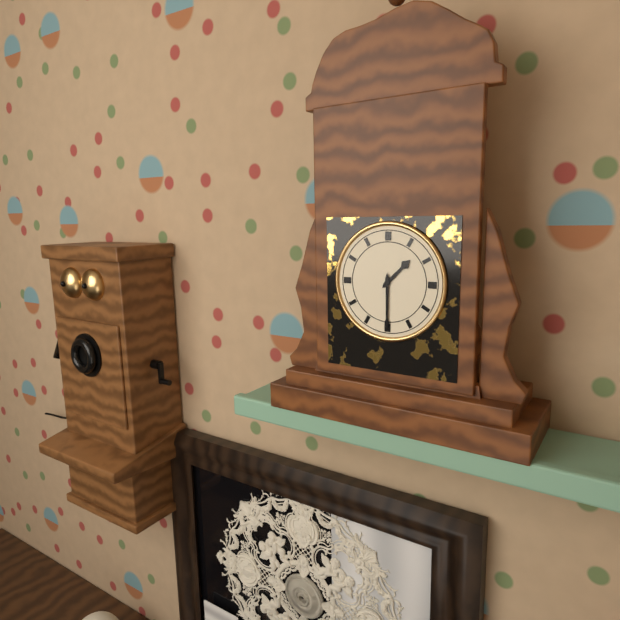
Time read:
h=1 m=30
